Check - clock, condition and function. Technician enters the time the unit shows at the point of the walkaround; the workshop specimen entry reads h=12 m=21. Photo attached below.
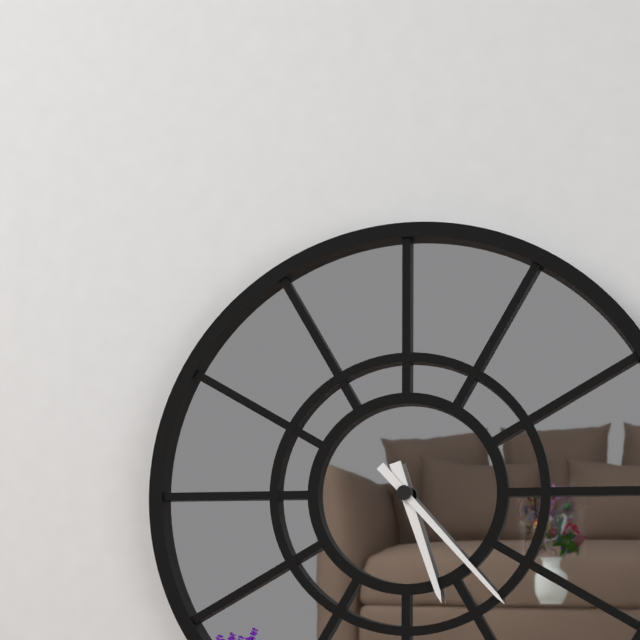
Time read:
h=5 m=23
